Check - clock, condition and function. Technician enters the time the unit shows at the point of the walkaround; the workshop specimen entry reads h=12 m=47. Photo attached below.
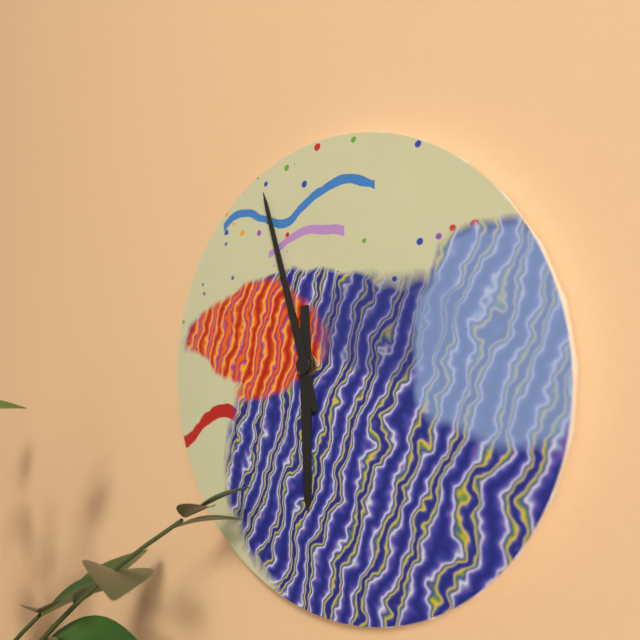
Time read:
h=5 m=57
